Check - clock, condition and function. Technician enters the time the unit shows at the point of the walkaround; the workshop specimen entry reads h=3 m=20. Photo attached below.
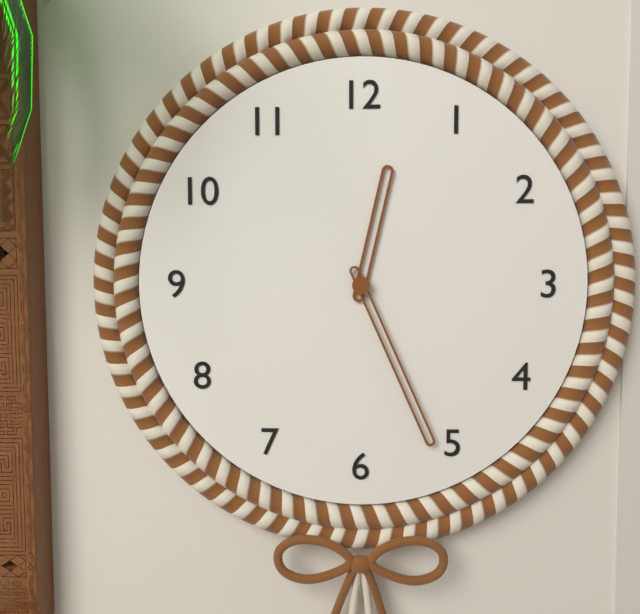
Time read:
h=12 m=26
